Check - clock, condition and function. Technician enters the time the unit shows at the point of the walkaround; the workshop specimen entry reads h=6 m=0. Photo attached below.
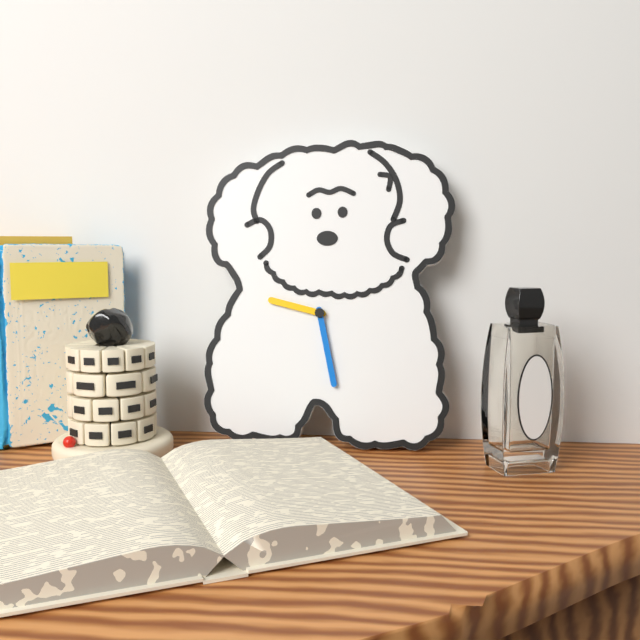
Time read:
h=9 m=28
